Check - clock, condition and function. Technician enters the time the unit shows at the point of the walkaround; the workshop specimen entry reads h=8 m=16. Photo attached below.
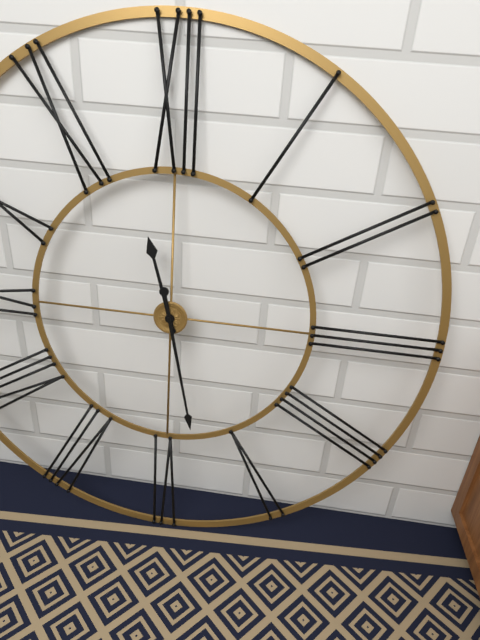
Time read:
h=11 m=28
